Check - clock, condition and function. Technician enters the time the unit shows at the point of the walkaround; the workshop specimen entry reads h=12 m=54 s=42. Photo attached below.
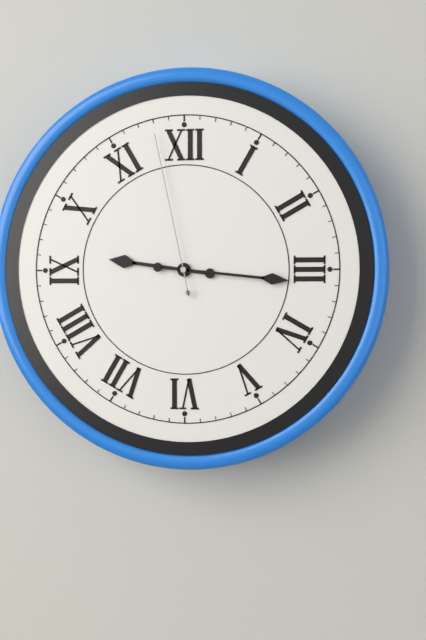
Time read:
h=9 m=16 s=58
